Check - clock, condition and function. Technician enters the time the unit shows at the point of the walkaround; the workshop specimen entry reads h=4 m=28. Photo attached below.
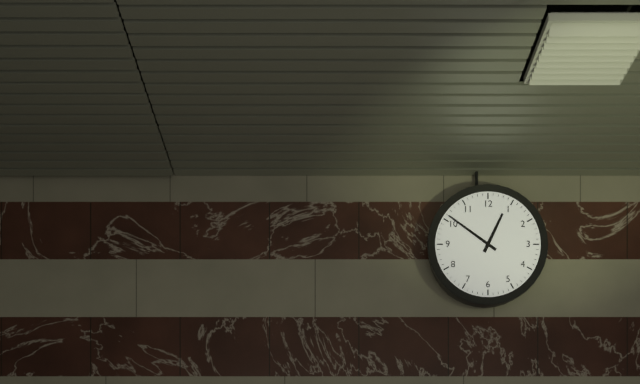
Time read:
h=12 m=51
